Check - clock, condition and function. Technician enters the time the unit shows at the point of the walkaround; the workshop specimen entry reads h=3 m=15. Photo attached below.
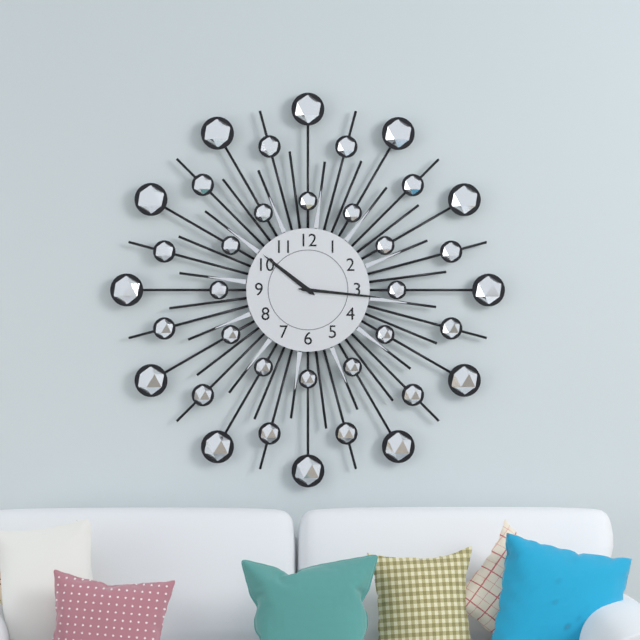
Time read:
h=10 m=16
